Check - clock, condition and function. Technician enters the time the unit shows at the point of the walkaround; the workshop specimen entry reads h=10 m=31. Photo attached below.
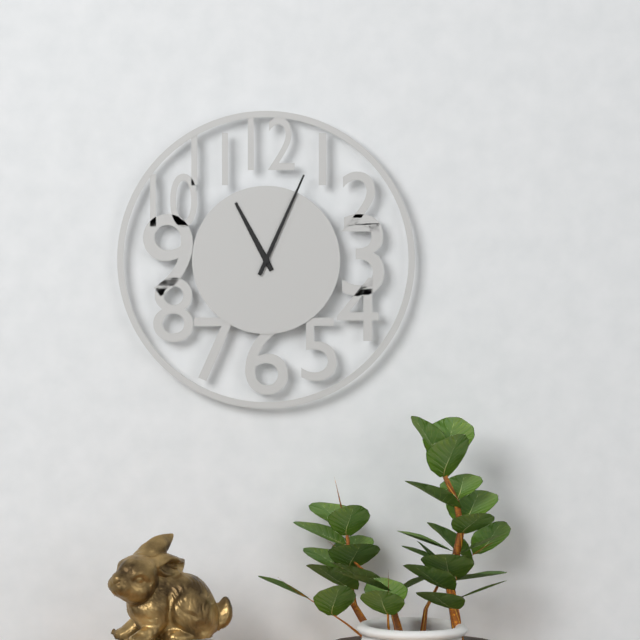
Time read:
h=11 m=4
